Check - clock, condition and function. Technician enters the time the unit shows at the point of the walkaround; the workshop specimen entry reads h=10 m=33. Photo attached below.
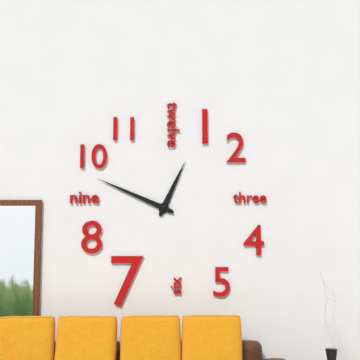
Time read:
h=12 m=49
